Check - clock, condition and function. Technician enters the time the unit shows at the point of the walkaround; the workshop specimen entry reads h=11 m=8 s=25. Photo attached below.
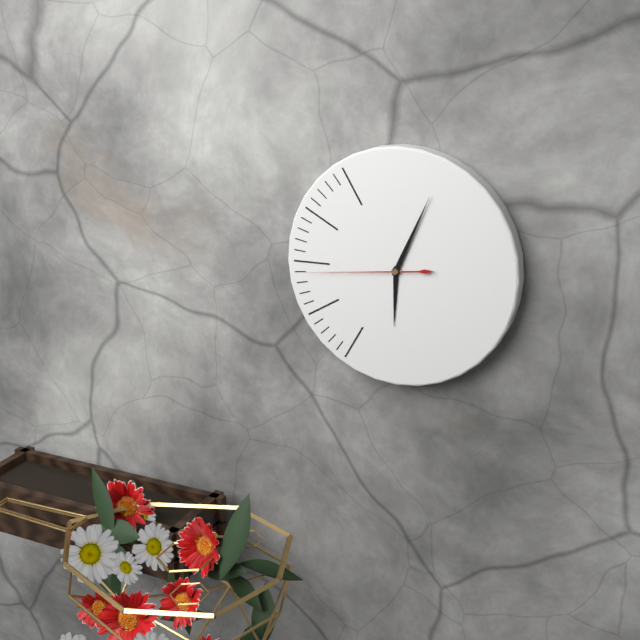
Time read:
h=6 m=4 s=44
